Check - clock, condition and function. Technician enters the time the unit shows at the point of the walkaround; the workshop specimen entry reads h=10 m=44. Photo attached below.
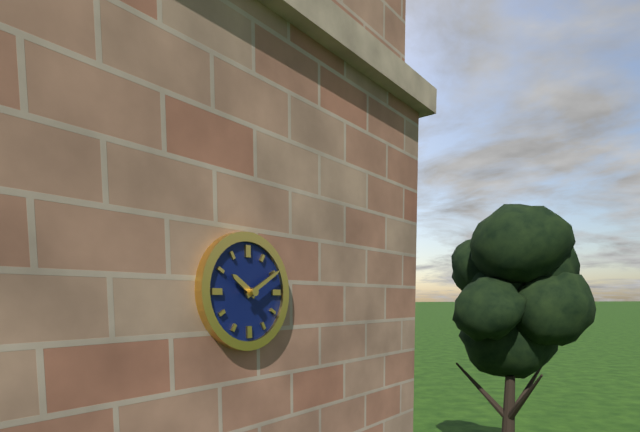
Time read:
h=10 m=10
